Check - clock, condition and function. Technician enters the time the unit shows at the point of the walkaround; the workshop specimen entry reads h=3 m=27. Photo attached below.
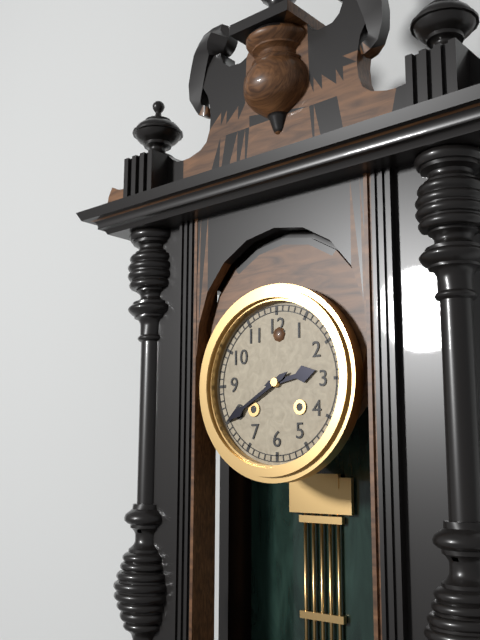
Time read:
h=2 m=40
